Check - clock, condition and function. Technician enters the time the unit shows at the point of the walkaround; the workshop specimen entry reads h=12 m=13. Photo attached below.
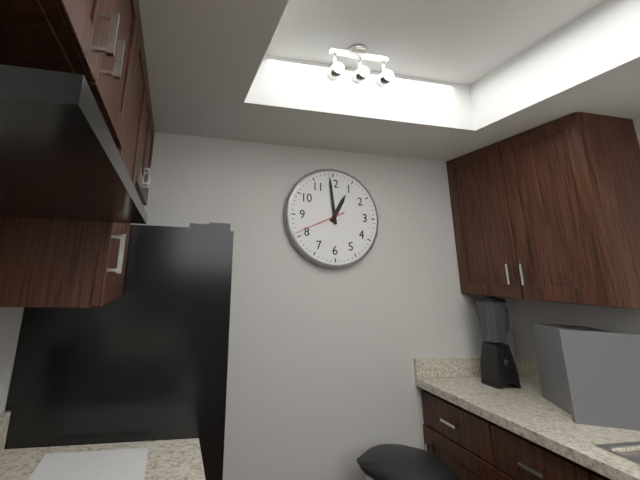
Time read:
h=12 m=59
